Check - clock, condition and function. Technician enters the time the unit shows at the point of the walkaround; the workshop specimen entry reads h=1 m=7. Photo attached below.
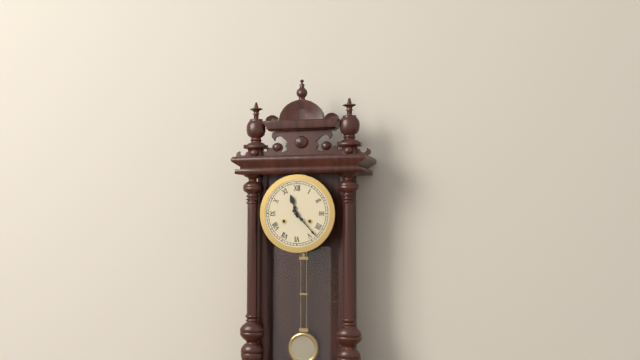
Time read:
h=11 m=23
